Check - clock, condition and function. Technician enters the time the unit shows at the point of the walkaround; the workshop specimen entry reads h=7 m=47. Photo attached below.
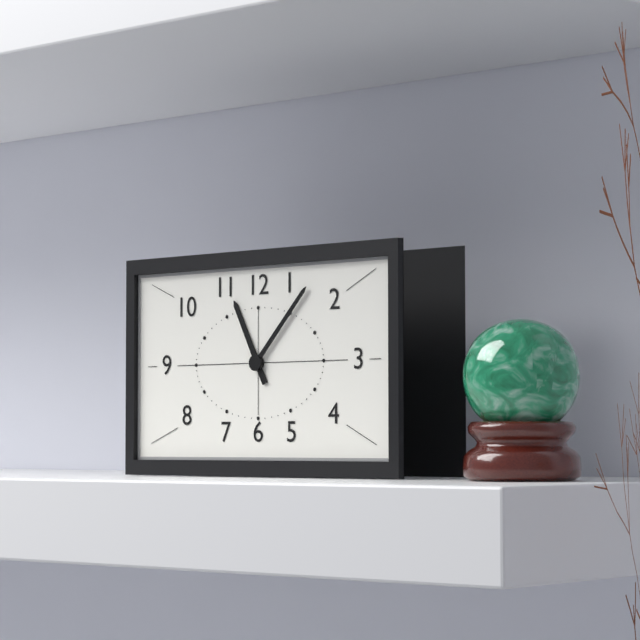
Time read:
h=11 m=7
